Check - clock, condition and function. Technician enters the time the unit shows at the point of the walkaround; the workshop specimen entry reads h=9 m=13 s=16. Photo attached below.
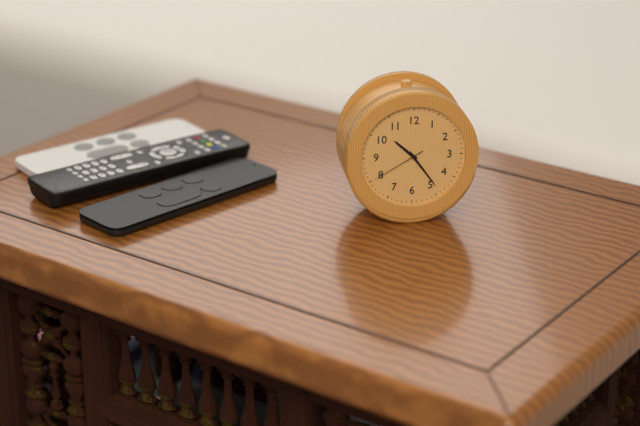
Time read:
h=10 m=24 s=40
